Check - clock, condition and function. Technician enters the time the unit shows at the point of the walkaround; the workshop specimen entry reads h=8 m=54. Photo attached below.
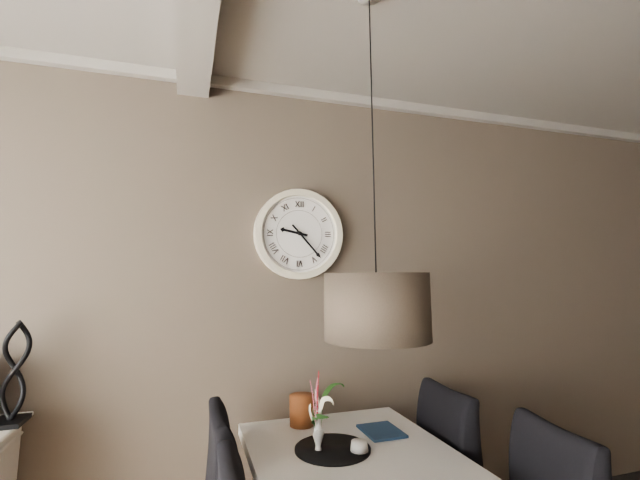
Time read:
h=9 m=23
